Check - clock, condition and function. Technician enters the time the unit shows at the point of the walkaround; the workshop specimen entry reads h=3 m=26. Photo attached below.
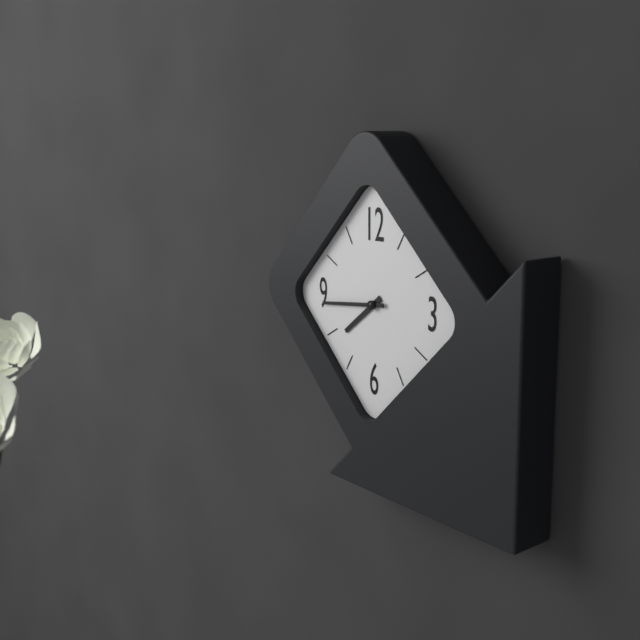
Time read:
h=7 m=44
